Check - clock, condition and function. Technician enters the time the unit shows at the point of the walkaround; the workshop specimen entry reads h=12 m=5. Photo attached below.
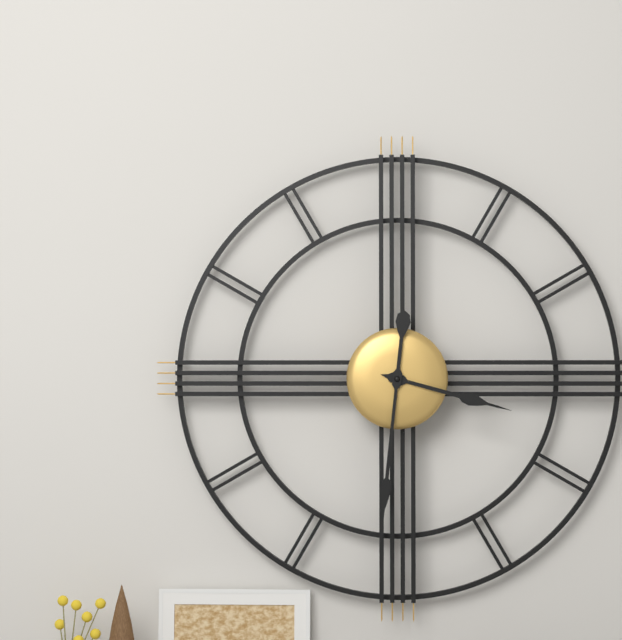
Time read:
h=3 m=31
